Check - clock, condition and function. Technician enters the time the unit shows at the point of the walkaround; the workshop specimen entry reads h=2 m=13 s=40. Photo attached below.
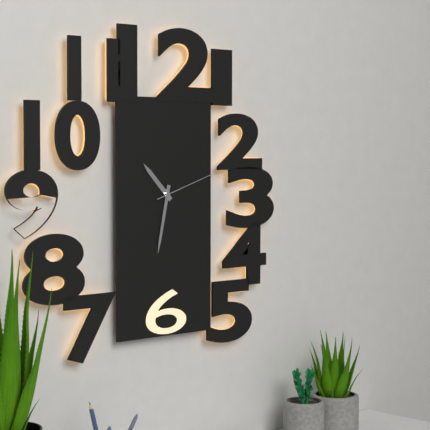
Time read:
h=10 m=32 s=12
